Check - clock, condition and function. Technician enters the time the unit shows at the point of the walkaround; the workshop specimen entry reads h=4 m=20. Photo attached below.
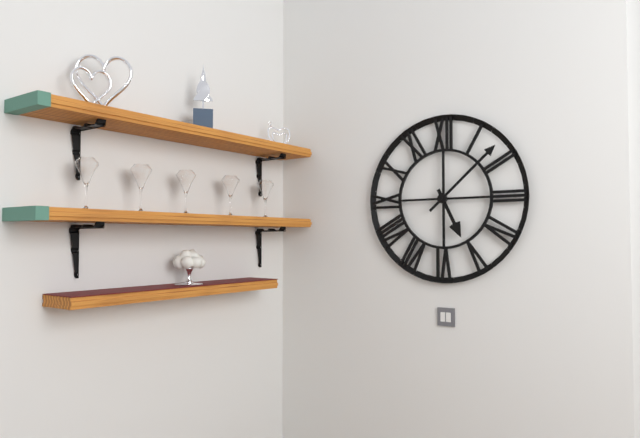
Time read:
h=5 m=8
